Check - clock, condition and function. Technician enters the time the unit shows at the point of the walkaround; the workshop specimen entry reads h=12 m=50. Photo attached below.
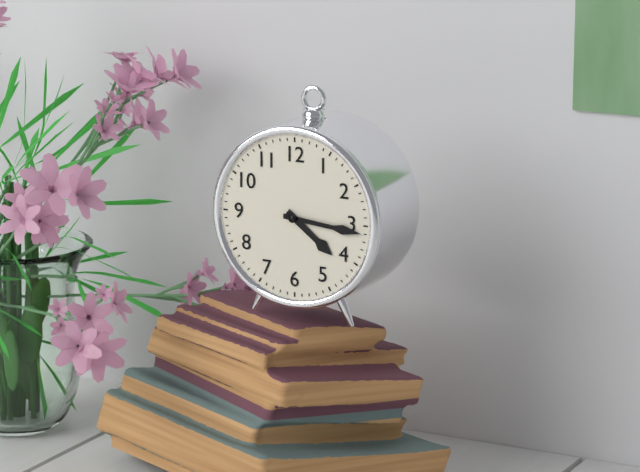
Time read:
h=4 m=16
